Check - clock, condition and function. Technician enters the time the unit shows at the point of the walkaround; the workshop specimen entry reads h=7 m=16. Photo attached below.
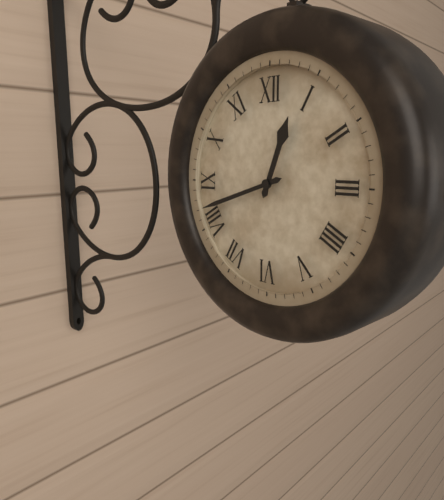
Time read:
h=12 m=42
